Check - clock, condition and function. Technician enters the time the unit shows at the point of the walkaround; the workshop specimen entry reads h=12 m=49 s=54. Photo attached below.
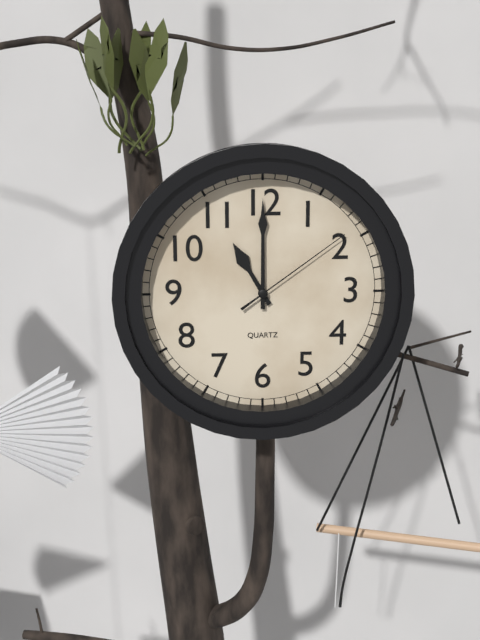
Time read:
h=11 m=0 s=9
